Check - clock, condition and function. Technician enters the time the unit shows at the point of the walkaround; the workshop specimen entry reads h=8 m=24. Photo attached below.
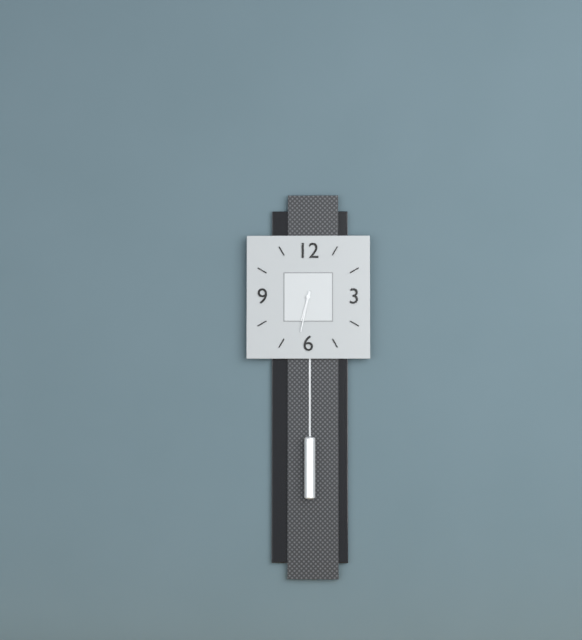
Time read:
h=6 m=32
